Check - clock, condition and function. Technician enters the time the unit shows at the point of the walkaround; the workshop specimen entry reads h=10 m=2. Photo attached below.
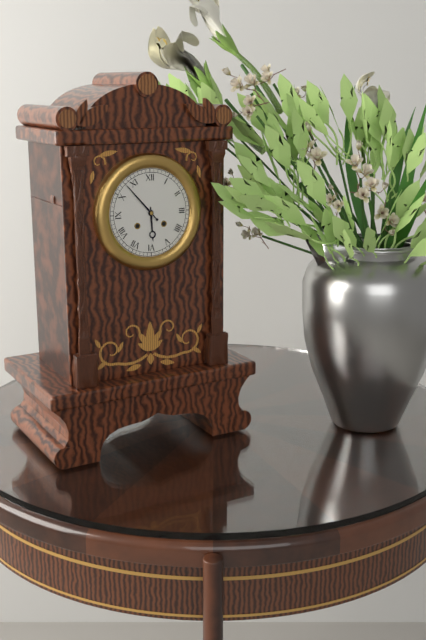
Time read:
h=5 m=53
